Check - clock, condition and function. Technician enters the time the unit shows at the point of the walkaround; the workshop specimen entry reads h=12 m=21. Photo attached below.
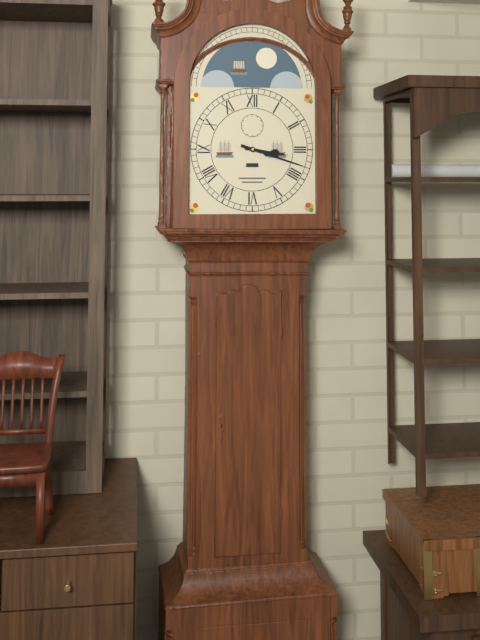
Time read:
h=3 m=18
